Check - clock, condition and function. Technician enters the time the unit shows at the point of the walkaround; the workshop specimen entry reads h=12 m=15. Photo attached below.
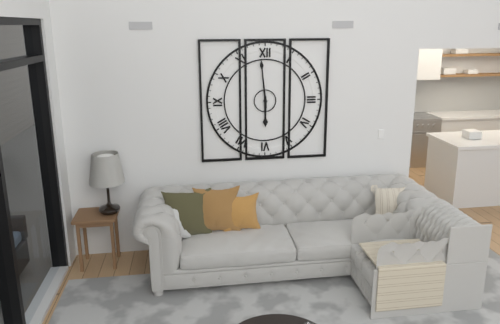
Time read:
h=5 m=59
